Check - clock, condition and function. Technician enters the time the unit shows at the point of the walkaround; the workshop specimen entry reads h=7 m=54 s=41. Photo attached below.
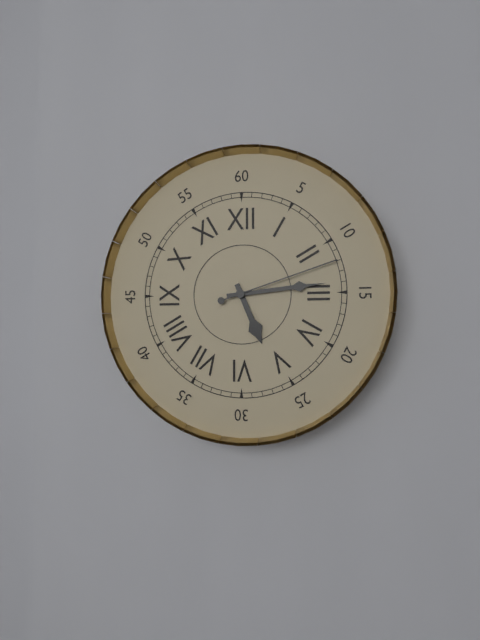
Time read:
h=5 m=14 s=12
